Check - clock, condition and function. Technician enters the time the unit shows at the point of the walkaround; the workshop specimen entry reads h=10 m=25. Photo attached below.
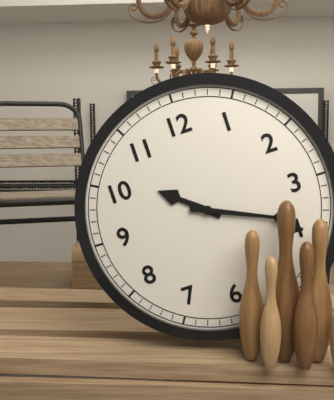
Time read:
h=10 m=19
